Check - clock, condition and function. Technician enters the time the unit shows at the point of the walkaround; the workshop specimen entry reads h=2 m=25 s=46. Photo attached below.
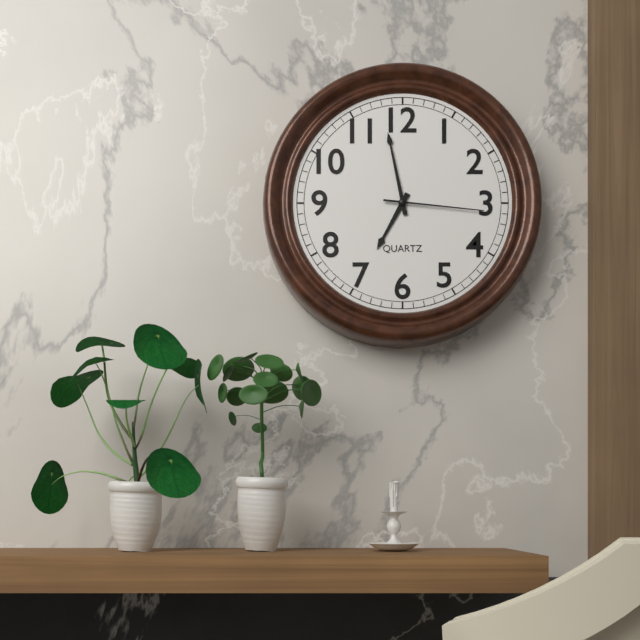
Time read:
h=6 m=58 s=16
